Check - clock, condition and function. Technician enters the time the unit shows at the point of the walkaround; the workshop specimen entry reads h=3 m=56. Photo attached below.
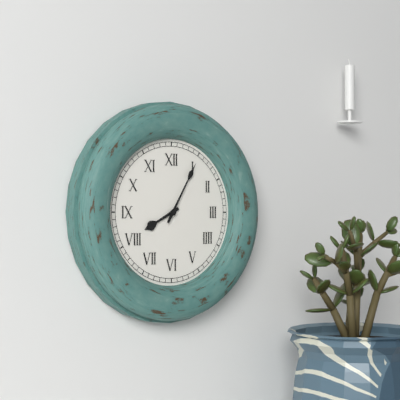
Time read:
h=8 m=5
